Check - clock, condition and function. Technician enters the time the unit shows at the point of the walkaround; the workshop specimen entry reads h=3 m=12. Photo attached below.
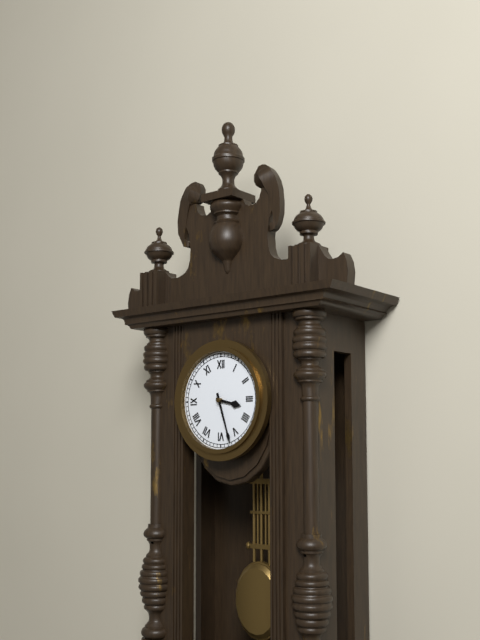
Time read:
h=3 m=27
